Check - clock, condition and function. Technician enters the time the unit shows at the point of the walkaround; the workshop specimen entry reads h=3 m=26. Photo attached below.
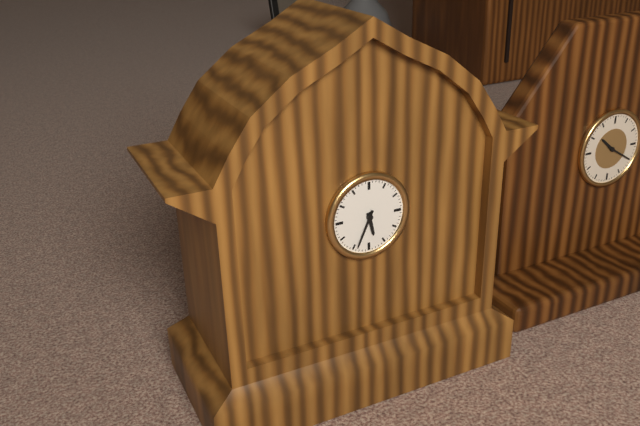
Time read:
h=5 m=34
